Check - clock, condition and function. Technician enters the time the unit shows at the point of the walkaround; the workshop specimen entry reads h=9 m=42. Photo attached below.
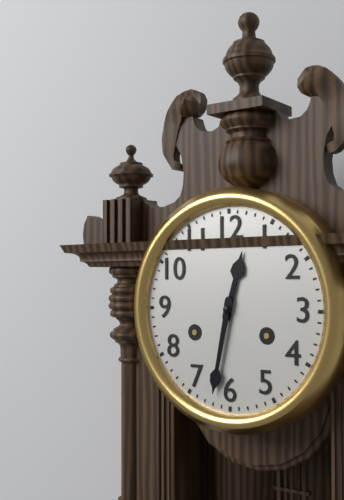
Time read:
h=12 m=32
